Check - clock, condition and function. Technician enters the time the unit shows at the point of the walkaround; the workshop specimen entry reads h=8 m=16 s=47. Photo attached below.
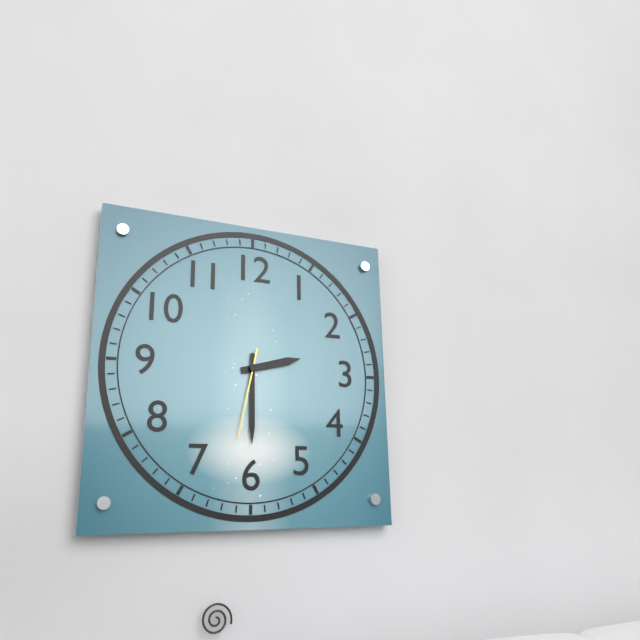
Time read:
h=2 m=30 s=32
